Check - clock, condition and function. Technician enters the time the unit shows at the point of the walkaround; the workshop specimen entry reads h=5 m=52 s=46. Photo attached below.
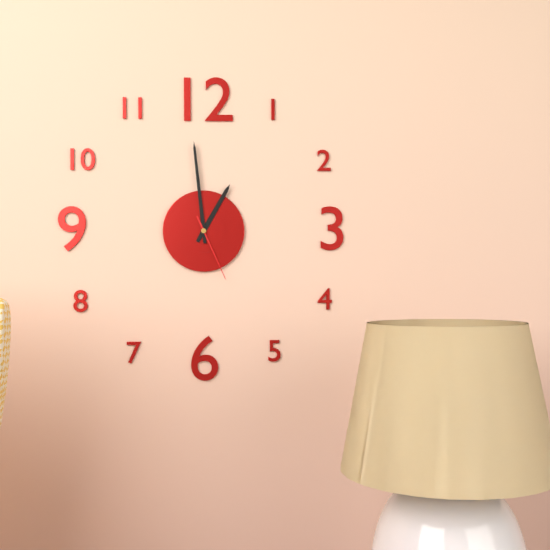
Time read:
h=12 m=59 s=26
